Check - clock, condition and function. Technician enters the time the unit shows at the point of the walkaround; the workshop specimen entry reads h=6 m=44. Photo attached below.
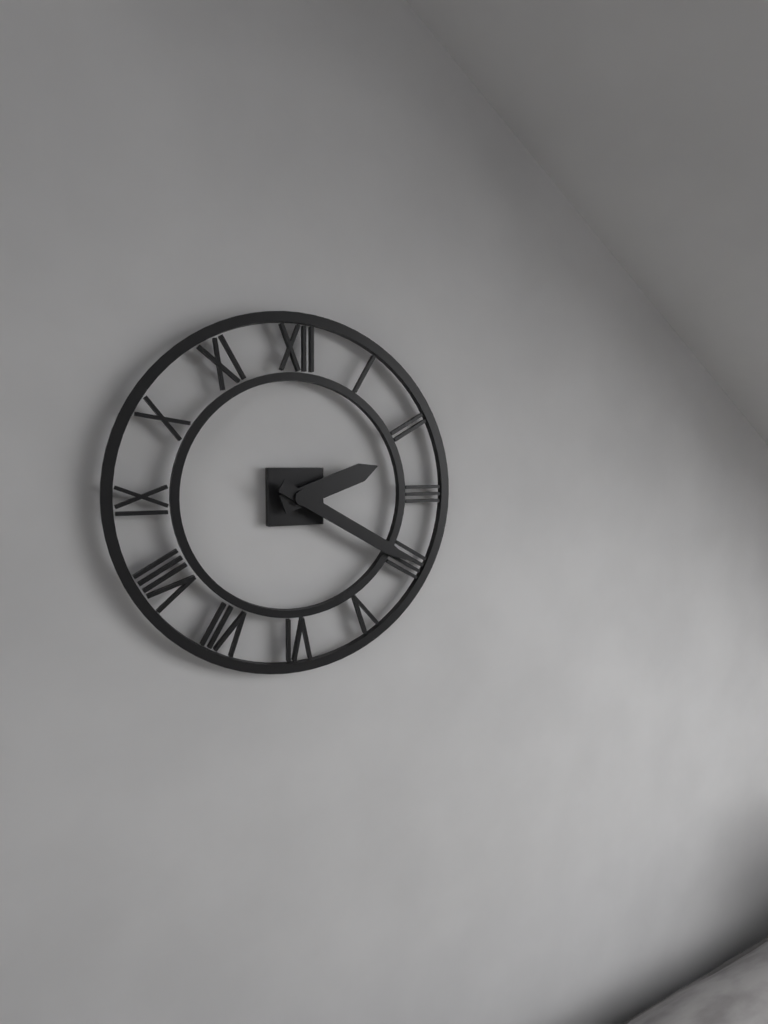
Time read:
h=2 m=20
